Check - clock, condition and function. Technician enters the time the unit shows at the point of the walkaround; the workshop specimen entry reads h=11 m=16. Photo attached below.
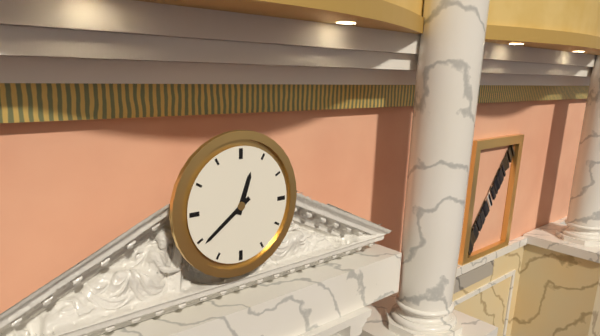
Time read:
h=12 m=39
